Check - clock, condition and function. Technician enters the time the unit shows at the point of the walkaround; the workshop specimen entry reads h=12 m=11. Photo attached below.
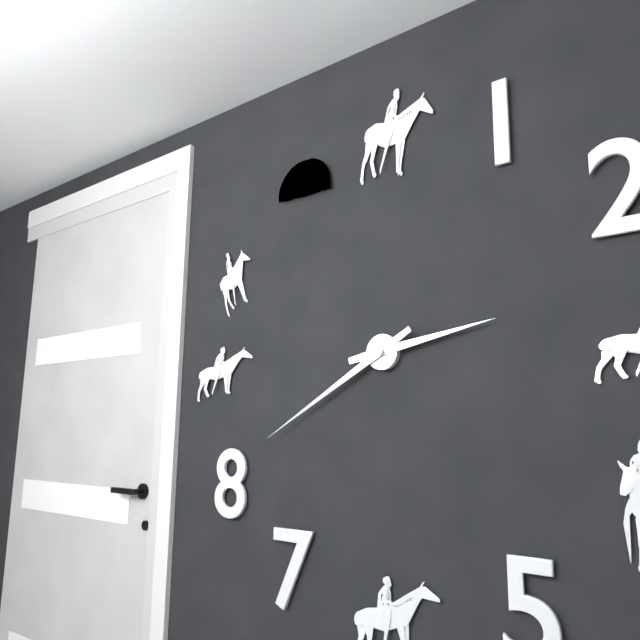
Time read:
h=2 m=40
